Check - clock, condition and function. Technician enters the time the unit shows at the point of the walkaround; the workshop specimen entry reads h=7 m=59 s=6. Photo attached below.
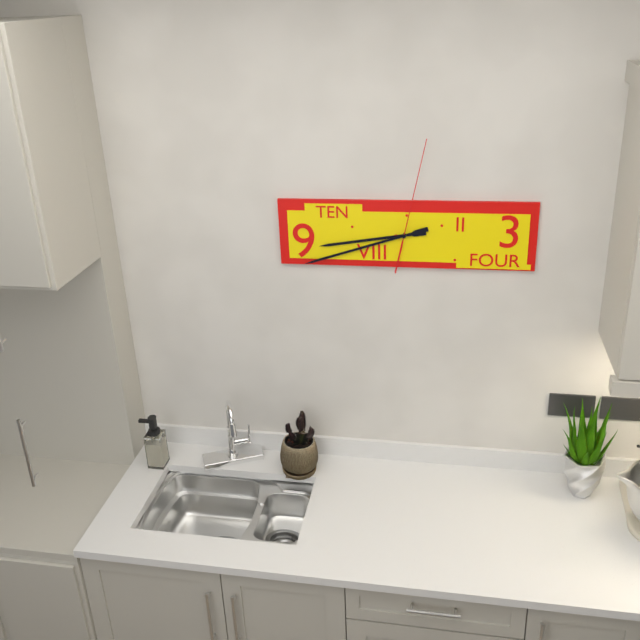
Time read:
h=8 m=42 s=2
